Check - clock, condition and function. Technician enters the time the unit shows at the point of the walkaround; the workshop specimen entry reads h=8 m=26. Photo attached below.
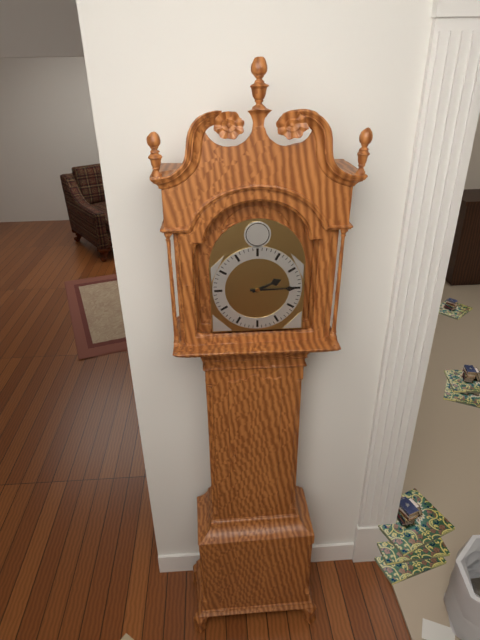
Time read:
h=2 m=15
